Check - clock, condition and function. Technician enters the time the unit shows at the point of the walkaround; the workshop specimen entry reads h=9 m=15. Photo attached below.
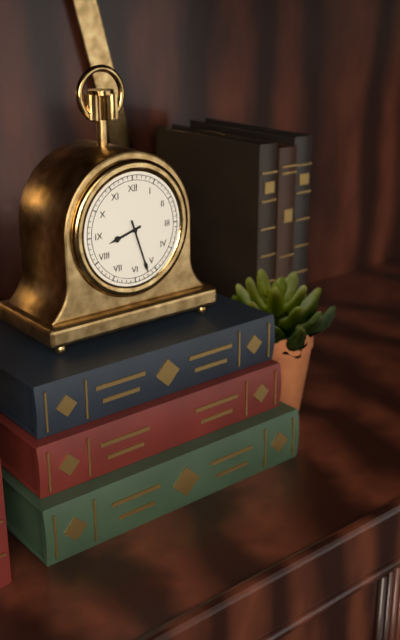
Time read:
h=8 m=27
